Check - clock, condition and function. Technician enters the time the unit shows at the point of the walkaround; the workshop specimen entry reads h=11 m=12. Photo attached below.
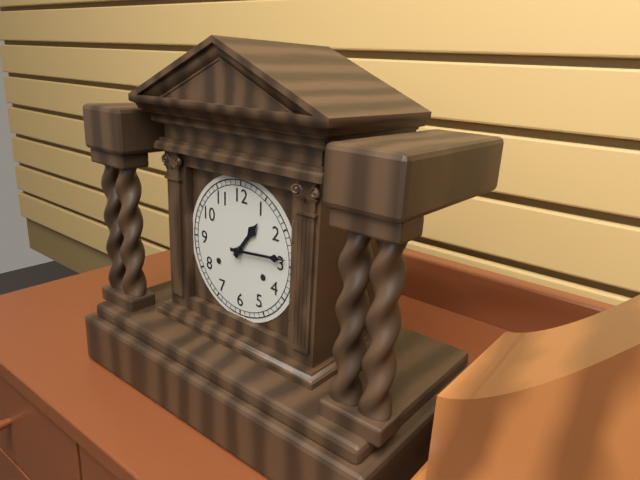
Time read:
h=1 m=14
